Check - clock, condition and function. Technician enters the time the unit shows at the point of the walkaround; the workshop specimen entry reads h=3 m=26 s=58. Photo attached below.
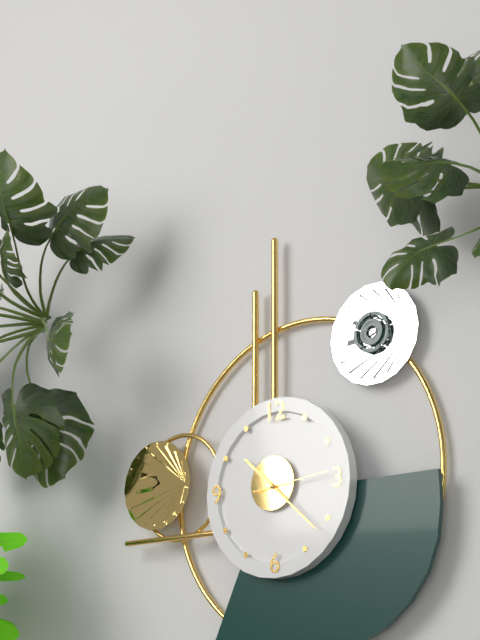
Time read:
h=10 m=22 s=14
